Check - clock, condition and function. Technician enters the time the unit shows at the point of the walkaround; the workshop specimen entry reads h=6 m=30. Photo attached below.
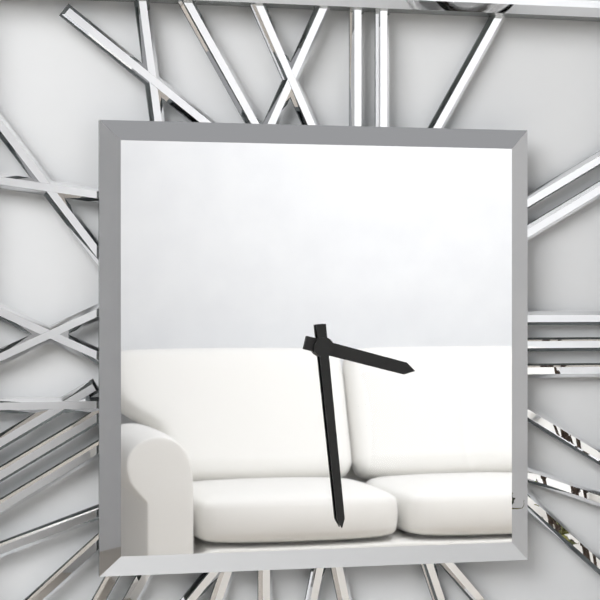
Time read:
h=3 m=29
